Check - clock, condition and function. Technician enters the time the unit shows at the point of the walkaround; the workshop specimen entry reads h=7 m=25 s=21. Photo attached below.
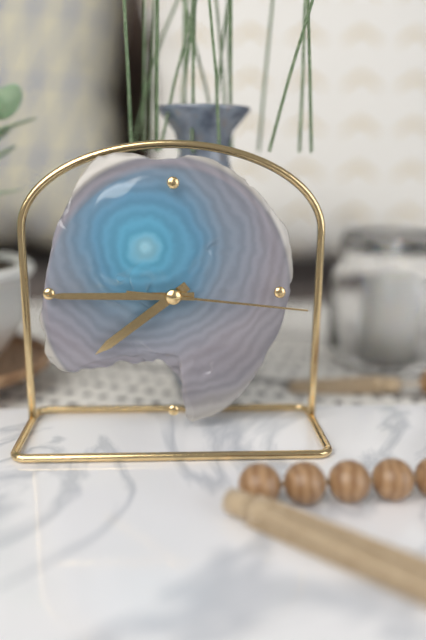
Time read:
h=7 m=45 s=16
